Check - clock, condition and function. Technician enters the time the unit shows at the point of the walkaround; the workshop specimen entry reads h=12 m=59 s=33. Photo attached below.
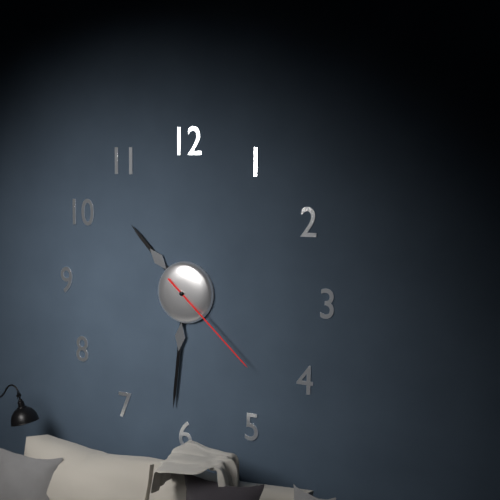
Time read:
h=10 m=31 s=22
